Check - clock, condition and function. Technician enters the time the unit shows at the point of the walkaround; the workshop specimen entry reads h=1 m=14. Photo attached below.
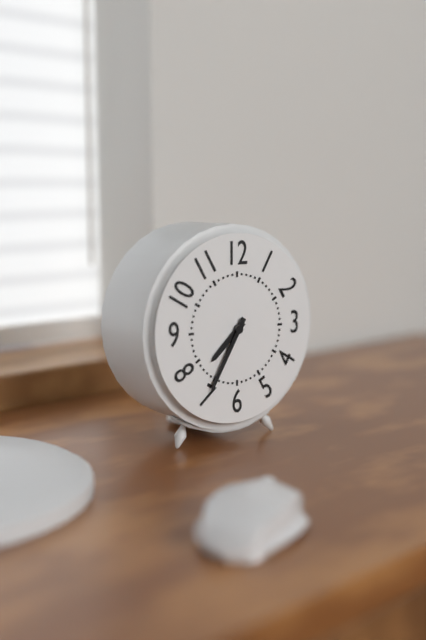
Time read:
h=7 m=35
